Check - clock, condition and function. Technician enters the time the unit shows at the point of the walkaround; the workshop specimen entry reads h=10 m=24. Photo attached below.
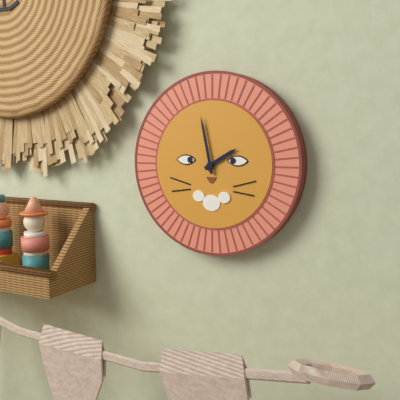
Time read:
h=1 m=58
